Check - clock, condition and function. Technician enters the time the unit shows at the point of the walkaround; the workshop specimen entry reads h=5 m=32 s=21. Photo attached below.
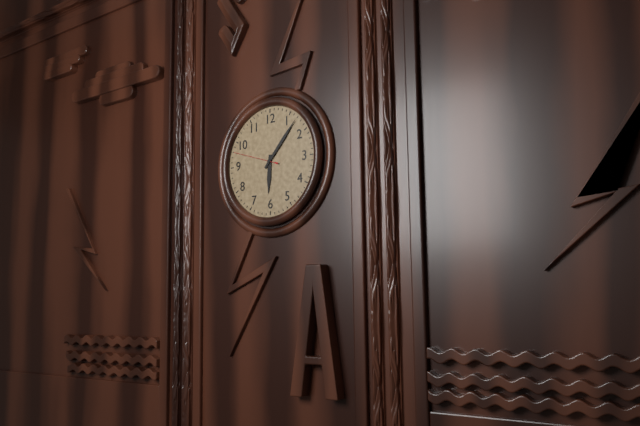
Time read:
h=6 m=7 s=48
